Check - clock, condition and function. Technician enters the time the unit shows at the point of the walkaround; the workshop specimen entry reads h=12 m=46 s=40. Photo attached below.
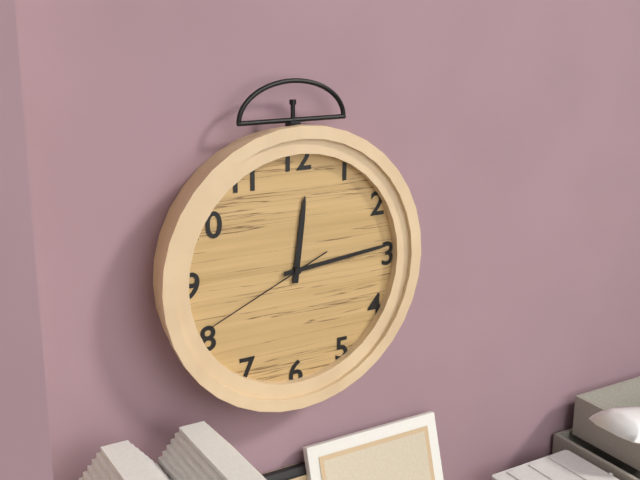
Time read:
h=12 m=14 s=41
